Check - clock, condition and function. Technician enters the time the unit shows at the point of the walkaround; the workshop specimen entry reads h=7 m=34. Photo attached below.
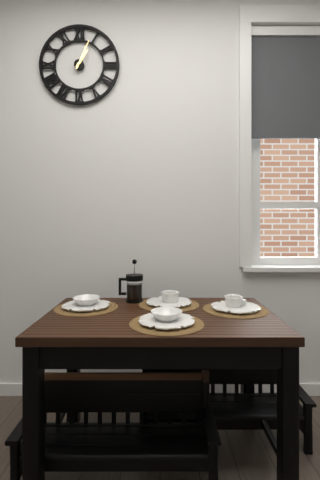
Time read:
h=1 m=4
